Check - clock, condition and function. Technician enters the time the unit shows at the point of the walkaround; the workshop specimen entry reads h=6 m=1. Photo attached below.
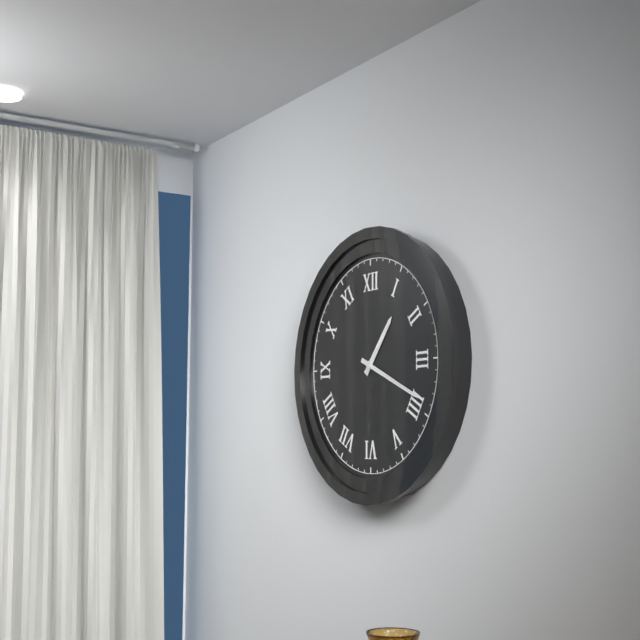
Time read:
h=1 m=19
